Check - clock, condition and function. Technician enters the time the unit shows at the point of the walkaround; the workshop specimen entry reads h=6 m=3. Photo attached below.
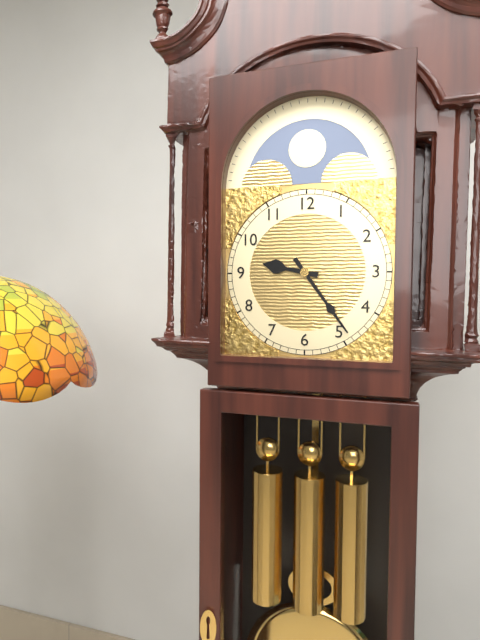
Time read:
h=9 m=24
